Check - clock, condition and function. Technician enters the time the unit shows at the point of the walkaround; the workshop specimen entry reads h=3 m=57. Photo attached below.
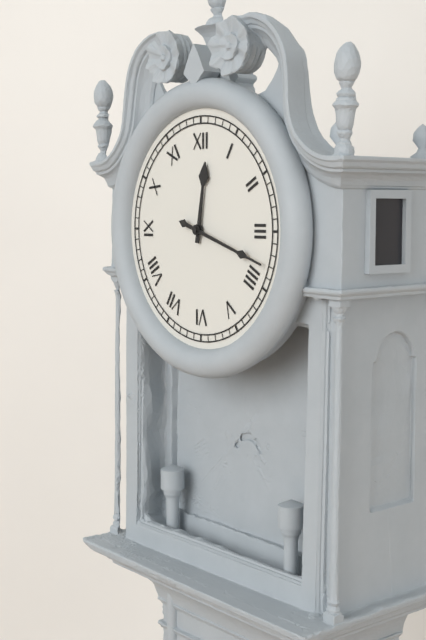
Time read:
h=12 m=18
